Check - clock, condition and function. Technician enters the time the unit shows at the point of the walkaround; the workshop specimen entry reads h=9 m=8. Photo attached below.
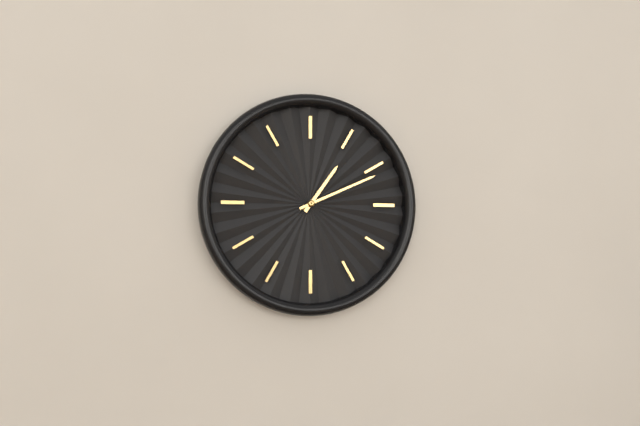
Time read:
h=1 m=11
